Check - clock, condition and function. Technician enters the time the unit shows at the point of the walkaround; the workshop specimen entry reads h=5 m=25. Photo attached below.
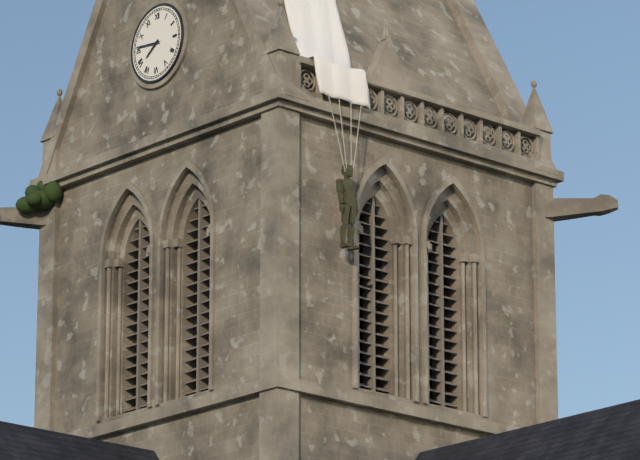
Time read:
h=7 m=46
